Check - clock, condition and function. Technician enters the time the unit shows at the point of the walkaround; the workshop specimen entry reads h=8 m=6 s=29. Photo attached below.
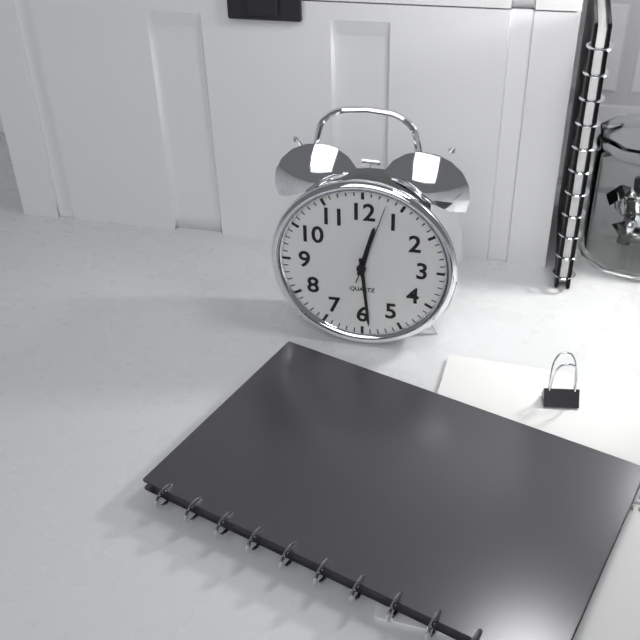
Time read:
h=12 m=29 s=3
